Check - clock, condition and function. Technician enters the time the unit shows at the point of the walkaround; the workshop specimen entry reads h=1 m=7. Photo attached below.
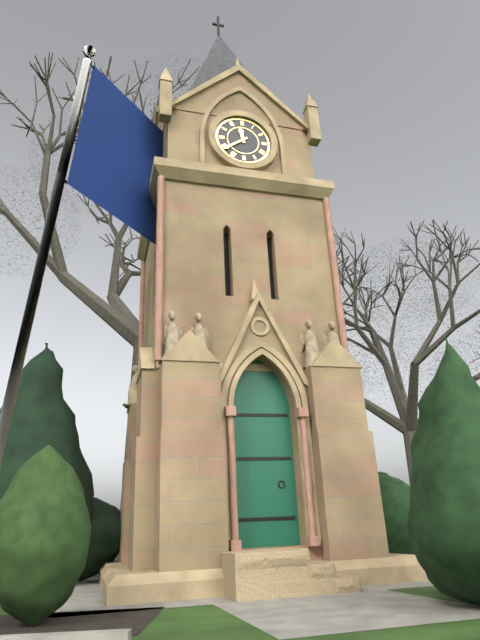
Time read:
h=11 m=39
